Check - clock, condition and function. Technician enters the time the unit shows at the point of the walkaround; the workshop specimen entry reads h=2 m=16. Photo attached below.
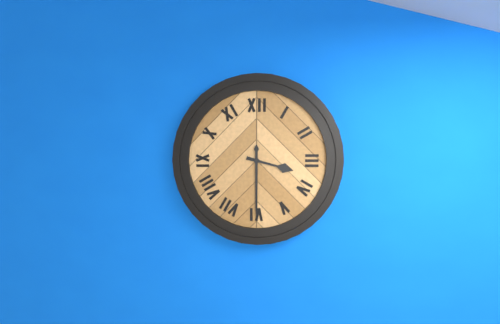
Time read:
h=3 m=30
